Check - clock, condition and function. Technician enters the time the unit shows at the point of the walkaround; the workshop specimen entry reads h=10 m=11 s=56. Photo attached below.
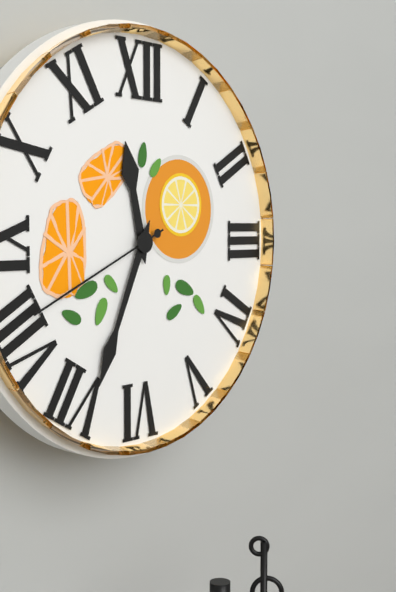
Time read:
h=11 m=34 s=41
